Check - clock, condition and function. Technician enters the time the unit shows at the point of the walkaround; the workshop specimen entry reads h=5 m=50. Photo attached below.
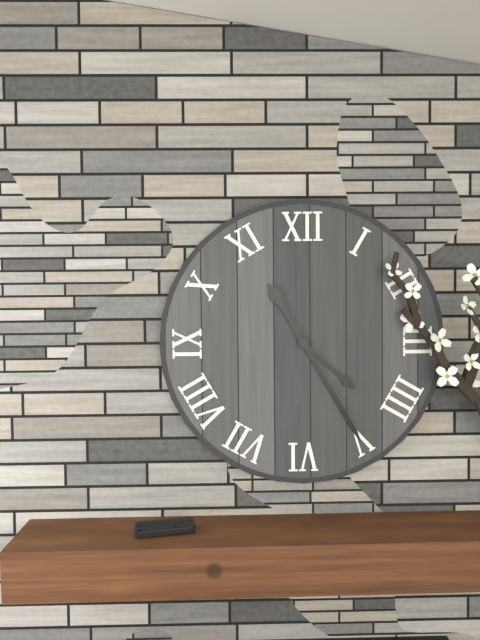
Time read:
h=4 m=25
